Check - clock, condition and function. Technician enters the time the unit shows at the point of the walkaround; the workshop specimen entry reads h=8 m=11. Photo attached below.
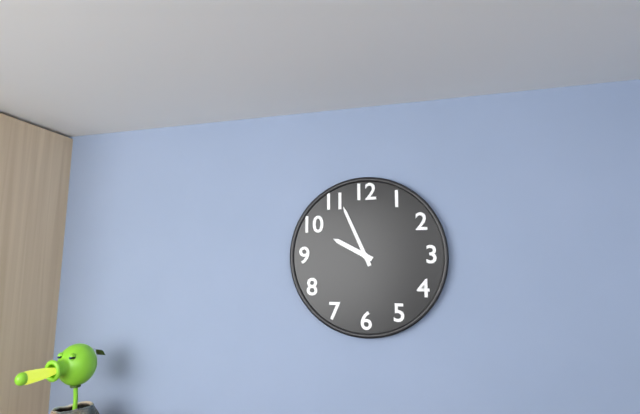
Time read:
h=9 m=56
